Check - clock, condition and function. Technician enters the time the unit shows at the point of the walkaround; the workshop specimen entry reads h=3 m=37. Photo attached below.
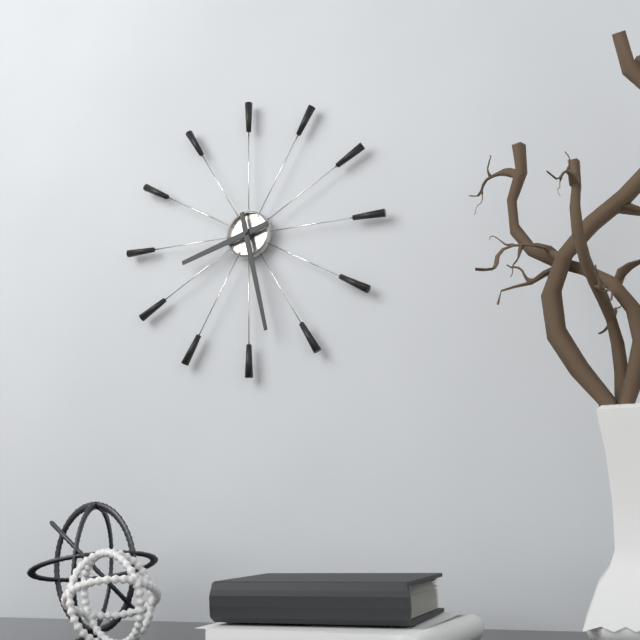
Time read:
h=8 m=28
